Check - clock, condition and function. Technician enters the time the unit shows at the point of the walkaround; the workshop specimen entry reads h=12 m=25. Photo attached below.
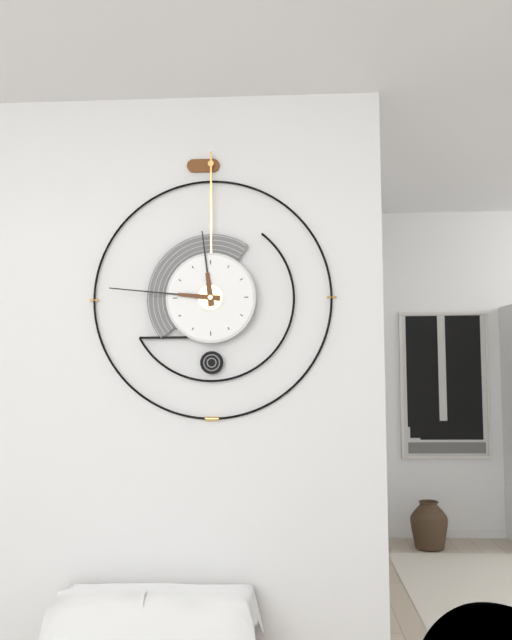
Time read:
h=11 m=46
